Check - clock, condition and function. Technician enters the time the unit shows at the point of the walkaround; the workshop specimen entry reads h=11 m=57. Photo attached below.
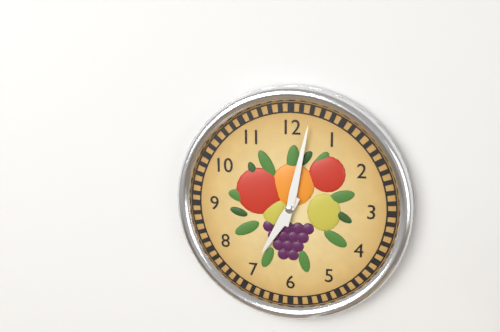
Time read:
h=7 m=2
